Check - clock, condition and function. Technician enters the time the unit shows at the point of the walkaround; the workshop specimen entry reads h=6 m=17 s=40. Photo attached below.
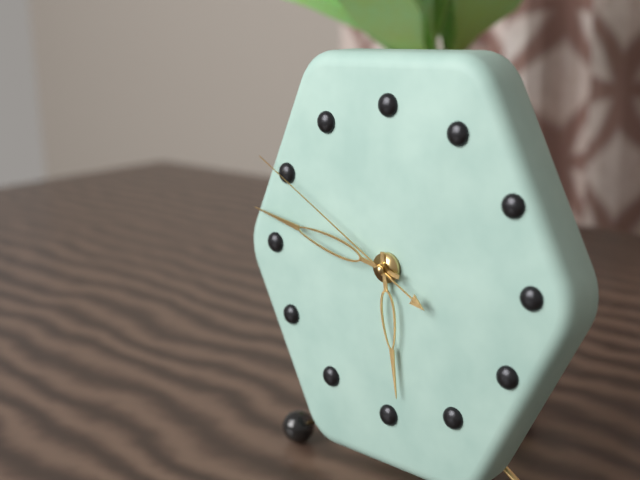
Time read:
h=5 m=47 s=50
